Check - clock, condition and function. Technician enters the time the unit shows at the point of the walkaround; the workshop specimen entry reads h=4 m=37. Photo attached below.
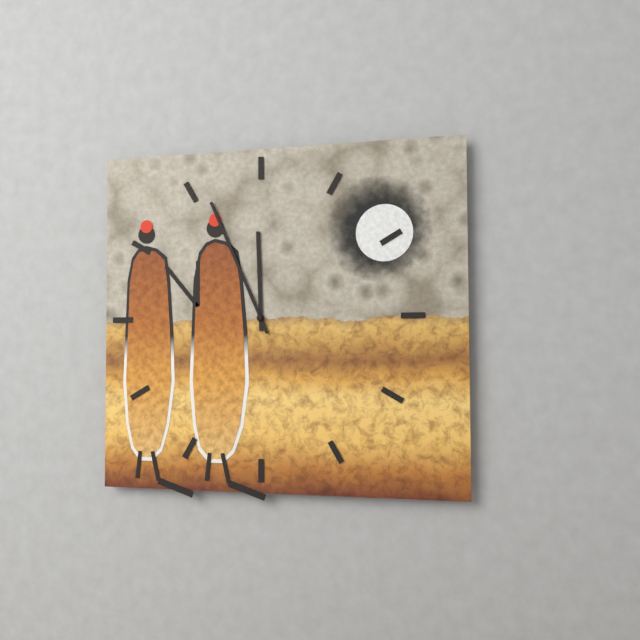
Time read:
h=11 m=56
